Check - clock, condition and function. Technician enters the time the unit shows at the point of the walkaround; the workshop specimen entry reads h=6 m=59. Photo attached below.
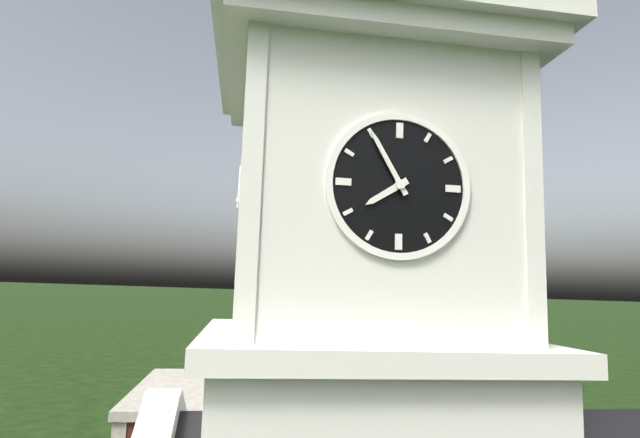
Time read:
h=7 m=55
